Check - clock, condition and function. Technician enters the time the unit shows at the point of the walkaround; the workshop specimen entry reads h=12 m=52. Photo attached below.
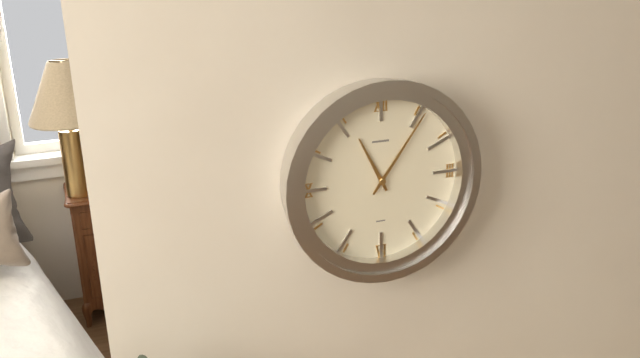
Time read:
h=11 m=6
